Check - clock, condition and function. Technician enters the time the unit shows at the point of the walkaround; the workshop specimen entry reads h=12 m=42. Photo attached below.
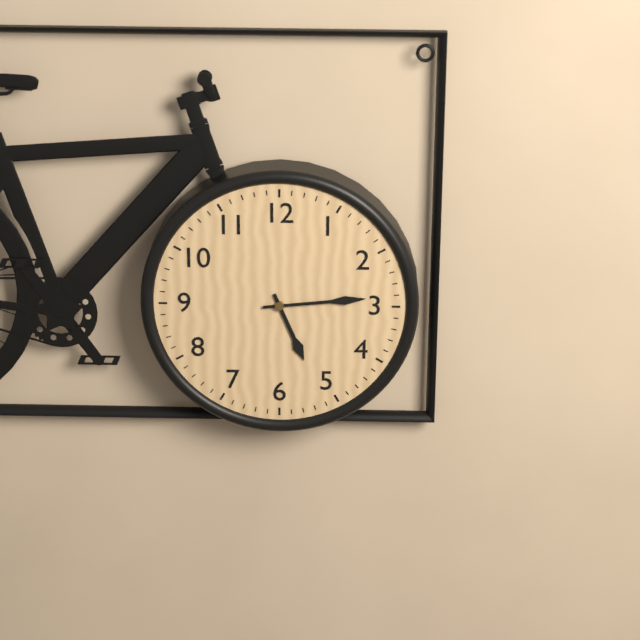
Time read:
h=5 m=14
